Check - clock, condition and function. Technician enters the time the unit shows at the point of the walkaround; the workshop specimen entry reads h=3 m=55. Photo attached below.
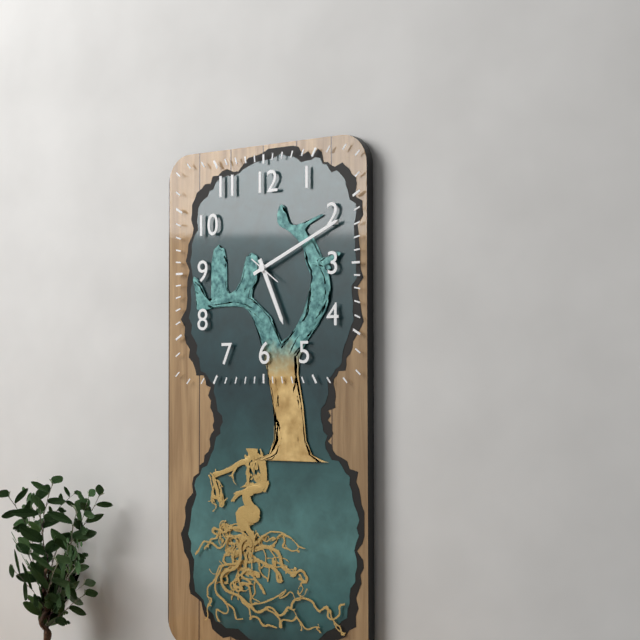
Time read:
h=5 m=11
